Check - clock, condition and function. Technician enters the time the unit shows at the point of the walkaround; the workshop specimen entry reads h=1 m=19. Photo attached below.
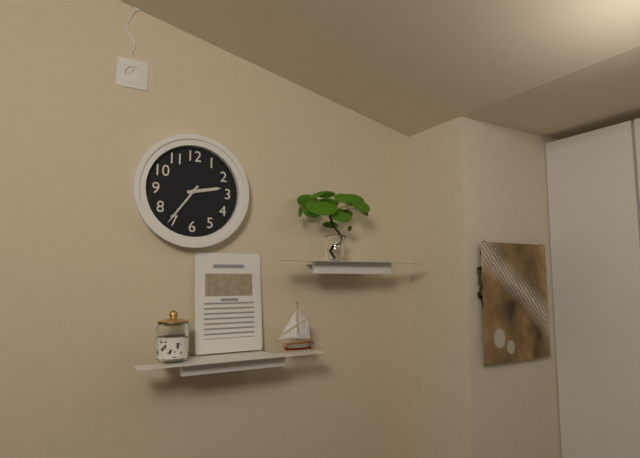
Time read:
h=2 m=36
